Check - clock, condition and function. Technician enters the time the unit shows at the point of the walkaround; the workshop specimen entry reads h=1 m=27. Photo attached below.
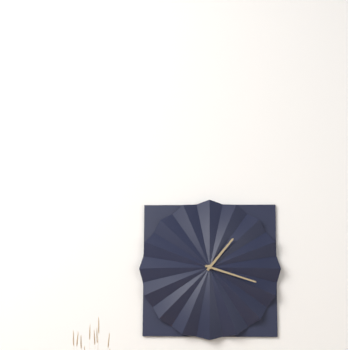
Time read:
h=1 m=18
